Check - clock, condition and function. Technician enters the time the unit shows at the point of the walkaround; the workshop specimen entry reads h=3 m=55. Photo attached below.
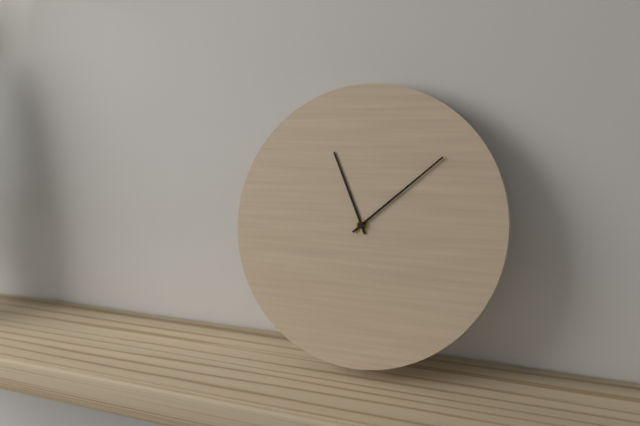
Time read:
h=11 m=8
